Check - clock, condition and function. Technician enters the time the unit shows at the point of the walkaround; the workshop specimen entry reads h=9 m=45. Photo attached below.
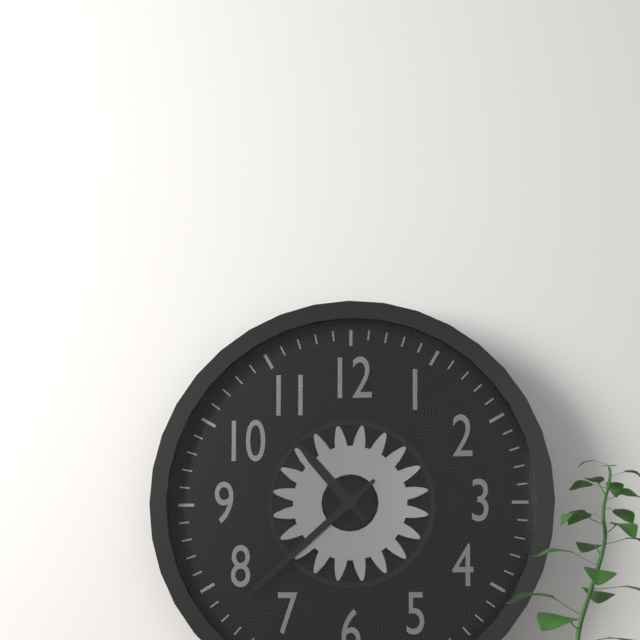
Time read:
h=10 m=38
